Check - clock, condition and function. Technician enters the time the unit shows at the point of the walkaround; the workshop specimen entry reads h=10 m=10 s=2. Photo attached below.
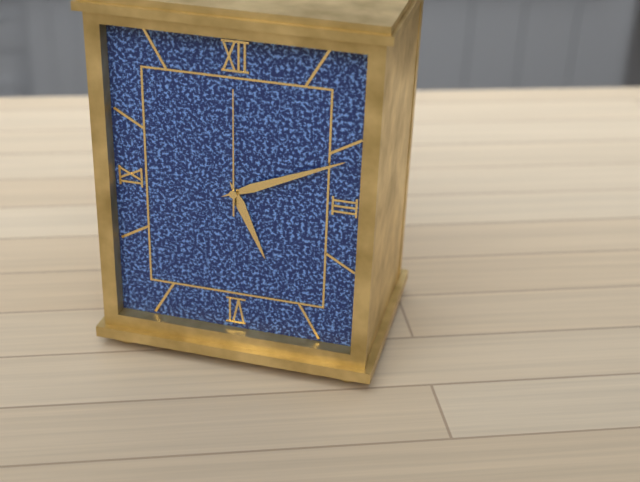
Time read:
h=5 m=11 s=0
